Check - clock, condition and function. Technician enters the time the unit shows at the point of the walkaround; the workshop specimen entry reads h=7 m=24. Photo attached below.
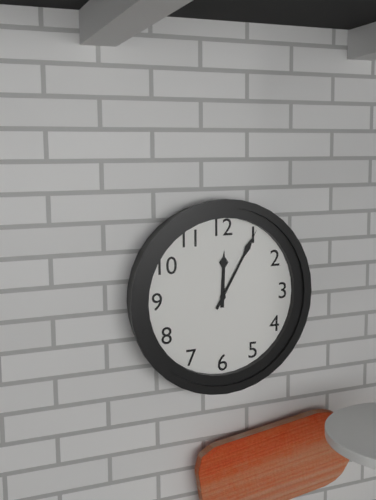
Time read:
h=12 m=5
